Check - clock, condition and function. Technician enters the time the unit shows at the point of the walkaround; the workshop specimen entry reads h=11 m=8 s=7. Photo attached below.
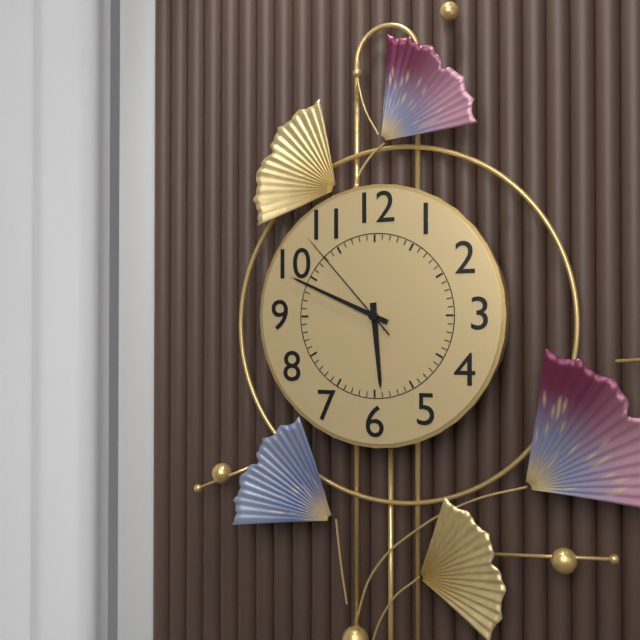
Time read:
h=5 m=49 s=53
